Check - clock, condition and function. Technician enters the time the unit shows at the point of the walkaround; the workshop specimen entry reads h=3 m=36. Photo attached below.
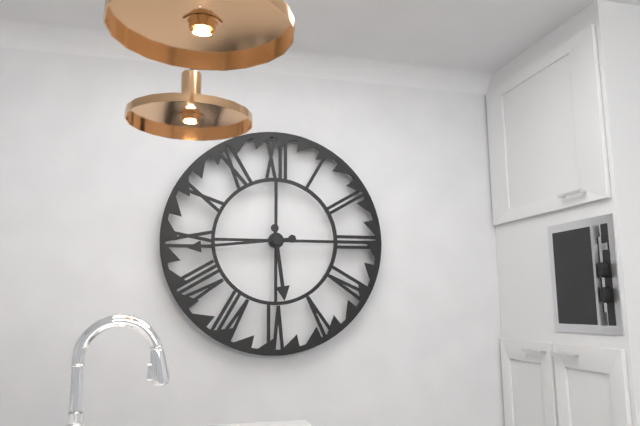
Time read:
h=5 m=44
